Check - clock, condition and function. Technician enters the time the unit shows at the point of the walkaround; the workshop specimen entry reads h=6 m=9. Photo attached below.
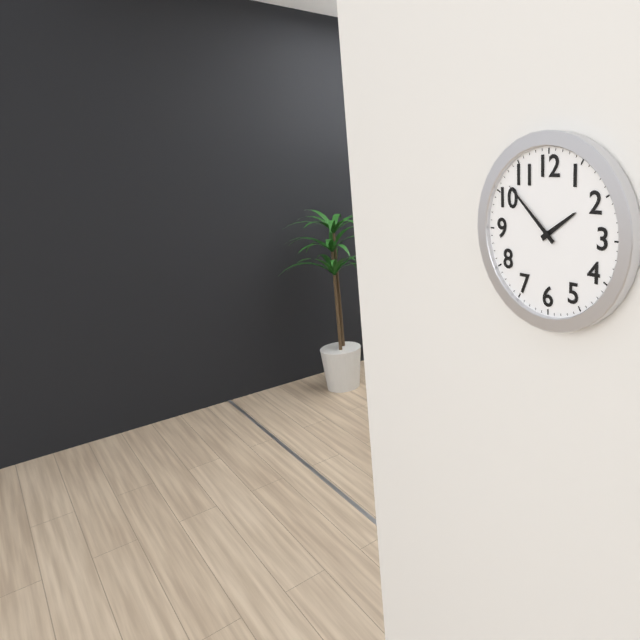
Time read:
h=1 m=52
